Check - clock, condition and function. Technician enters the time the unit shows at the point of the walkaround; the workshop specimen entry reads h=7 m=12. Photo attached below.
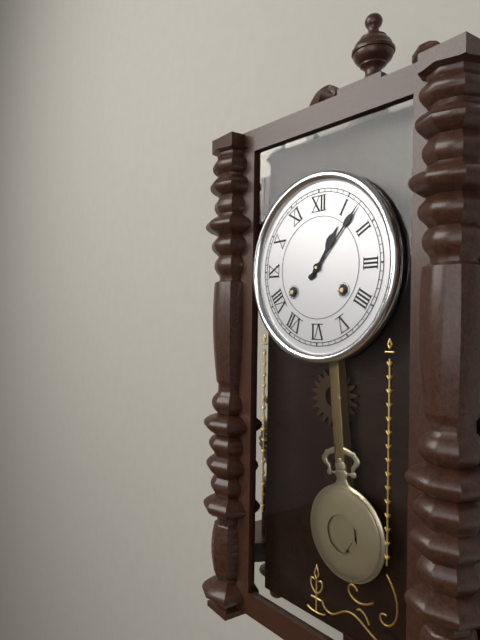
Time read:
h=1 m=7
